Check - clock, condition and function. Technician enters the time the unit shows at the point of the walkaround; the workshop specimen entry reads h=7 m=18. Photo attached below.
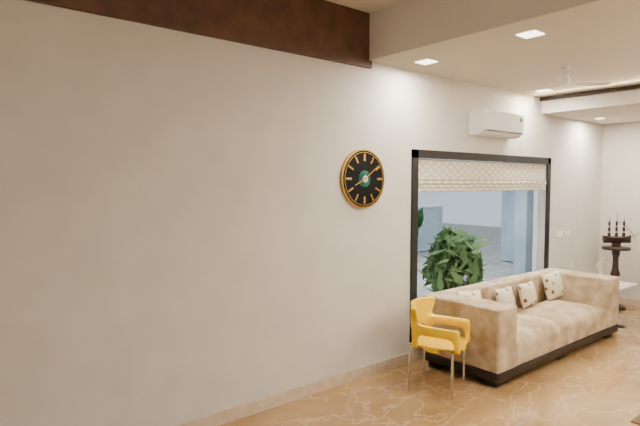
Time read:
h=8 m=9
